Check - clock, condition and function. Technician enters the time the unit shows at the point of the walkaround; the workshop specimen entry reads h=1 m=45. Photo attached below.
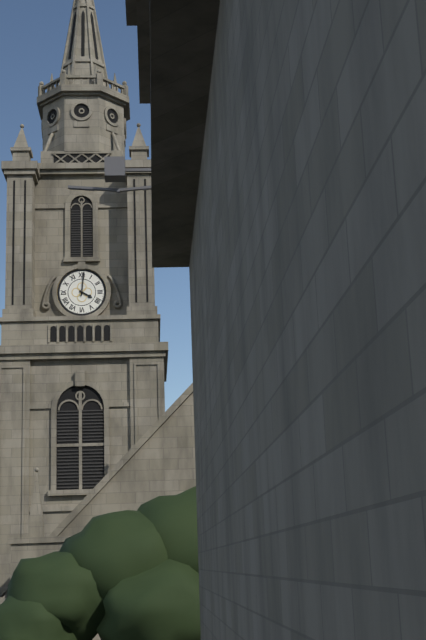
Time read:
h=4 m=1
